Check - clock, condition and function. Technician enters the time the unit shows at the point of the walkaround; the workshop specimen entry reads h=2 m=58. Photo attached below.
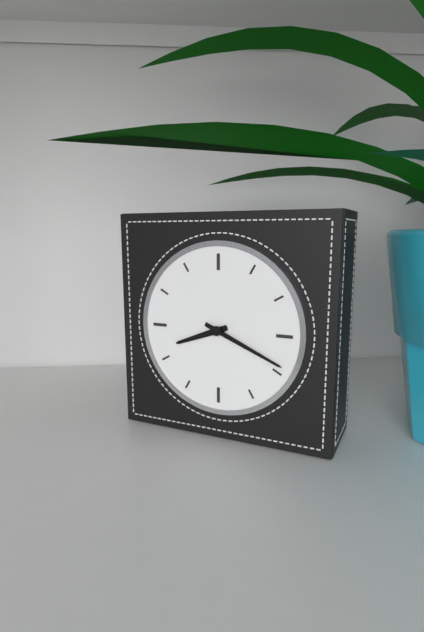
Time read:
h=8 m=19
